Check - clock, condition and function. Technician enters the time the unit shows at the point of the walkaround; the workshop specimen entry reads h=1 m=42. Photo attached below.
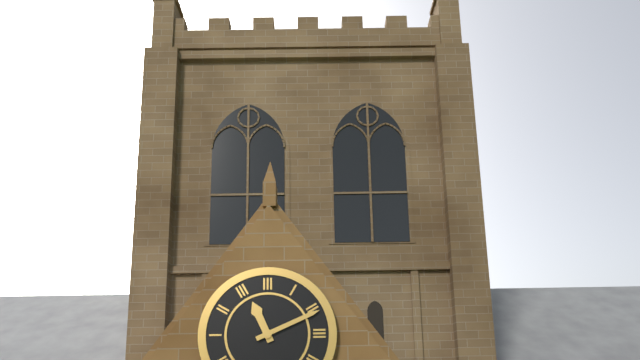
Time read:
h=11 m=11
